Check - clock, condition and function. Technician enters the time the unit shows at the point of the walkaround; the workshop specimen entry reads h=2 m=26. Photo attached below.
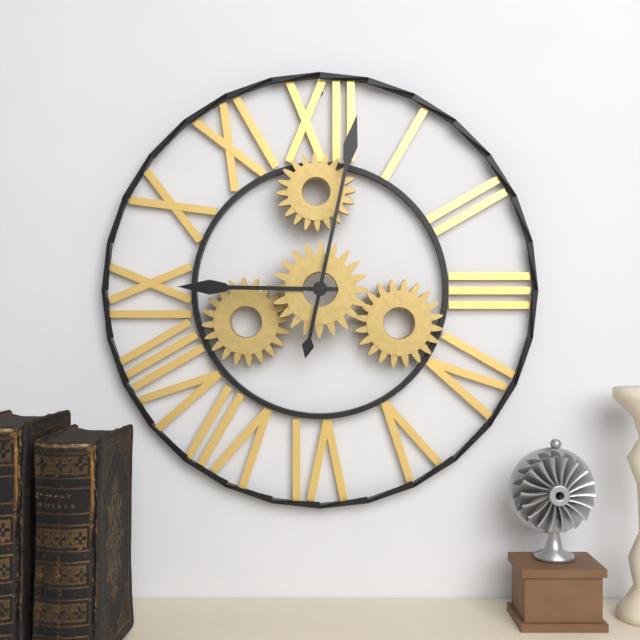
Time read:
h=9 m=2
